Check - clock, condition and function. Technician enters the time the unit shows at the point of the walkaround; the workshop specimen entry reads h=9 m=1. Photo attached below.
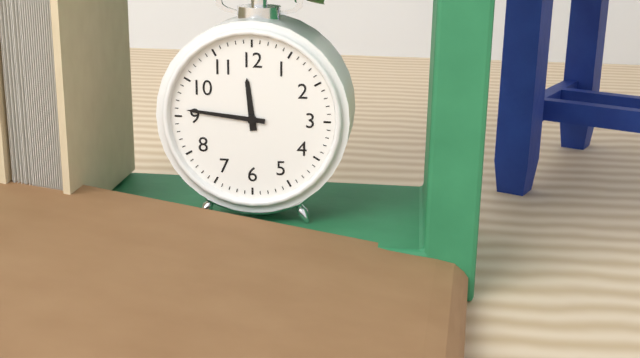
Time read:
h=11 m=46
